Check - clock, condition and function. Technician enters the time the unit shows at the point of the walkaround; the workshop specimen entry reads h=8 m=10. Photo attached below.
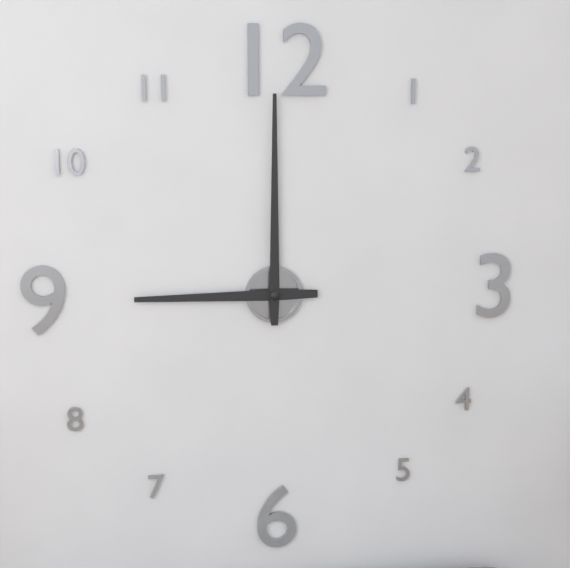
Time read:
h=9 m=0
